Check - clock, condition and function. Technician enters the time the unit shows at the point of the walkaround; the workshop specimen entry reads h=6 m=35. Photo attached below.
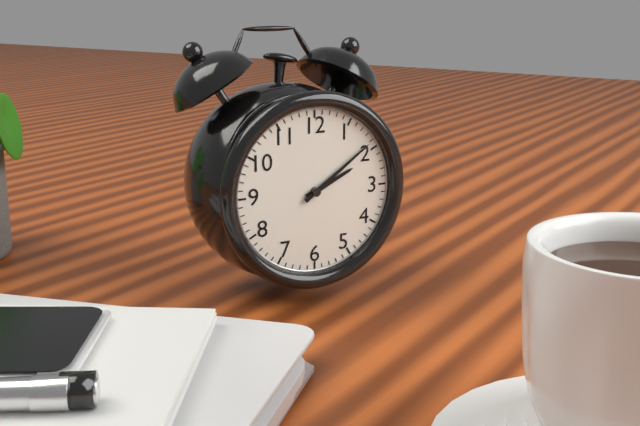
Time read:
h=2 m=9
